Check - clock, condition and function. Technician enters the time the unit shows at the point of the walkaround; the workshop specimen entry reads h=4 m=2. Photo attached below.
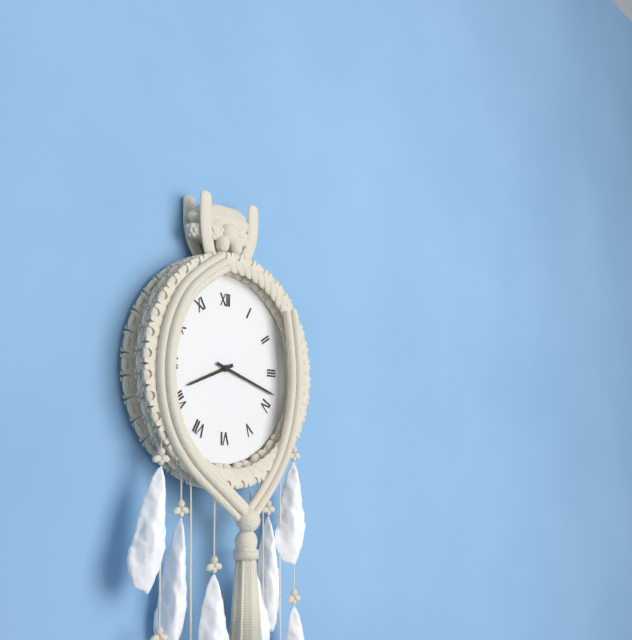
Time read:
h=8 m=18
